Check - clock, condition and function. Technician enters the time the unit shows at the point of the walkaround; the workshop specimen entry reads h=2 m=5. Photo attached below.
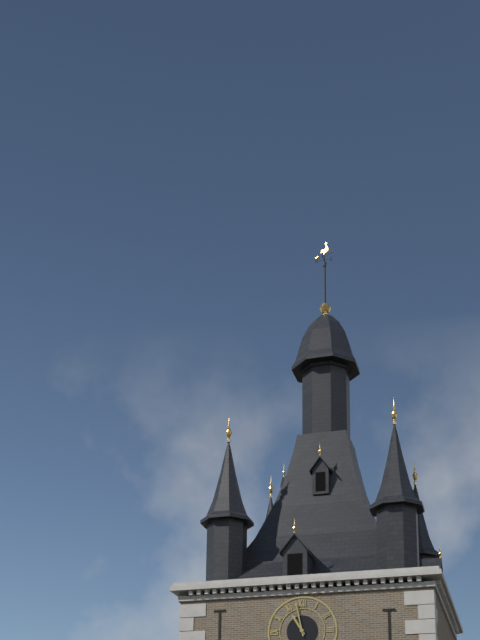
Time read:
h=10 m=58
